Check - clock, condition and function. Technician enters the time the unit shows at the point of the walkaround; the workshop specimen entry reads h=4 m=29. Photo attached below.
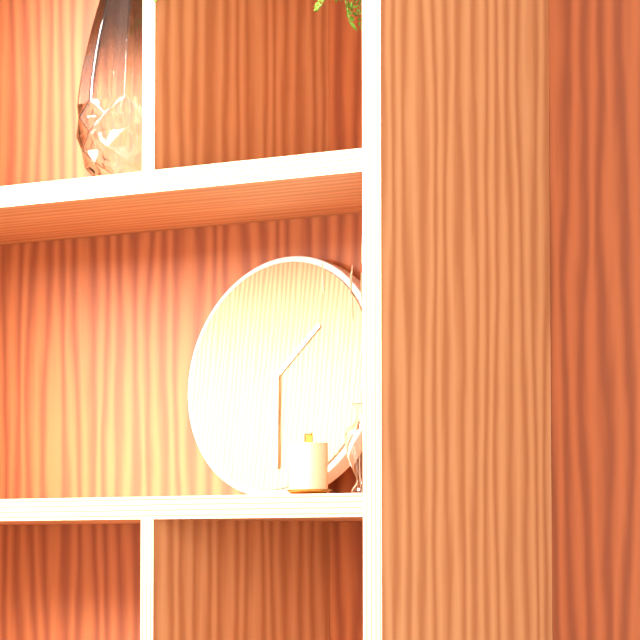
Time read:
h=1 m=29
